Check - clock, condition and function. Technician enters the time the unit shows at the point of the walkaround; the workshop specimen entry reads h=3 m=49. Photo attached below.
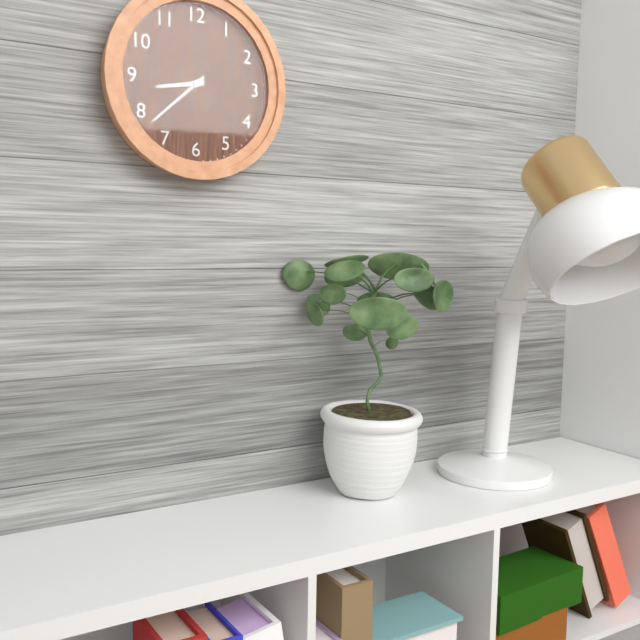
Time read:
h=8 m=38
